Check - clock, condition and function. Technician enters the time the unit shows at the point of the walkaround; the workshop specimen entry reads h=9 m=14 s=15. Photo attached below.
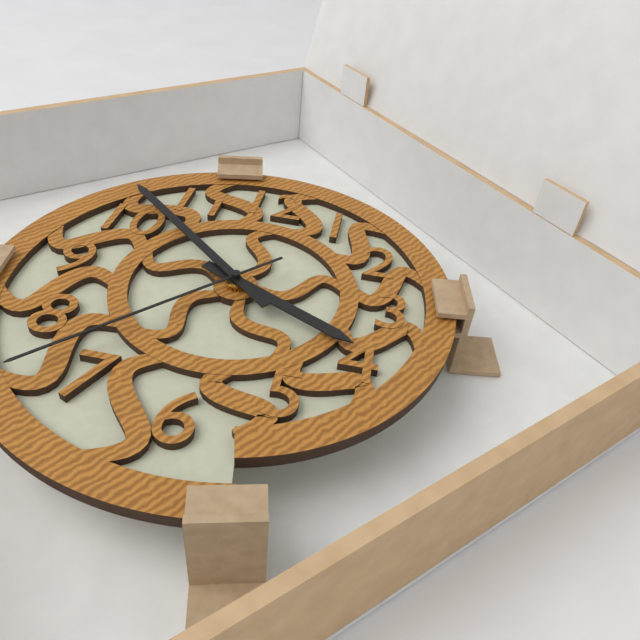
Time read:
h=3 m=52 s=37
